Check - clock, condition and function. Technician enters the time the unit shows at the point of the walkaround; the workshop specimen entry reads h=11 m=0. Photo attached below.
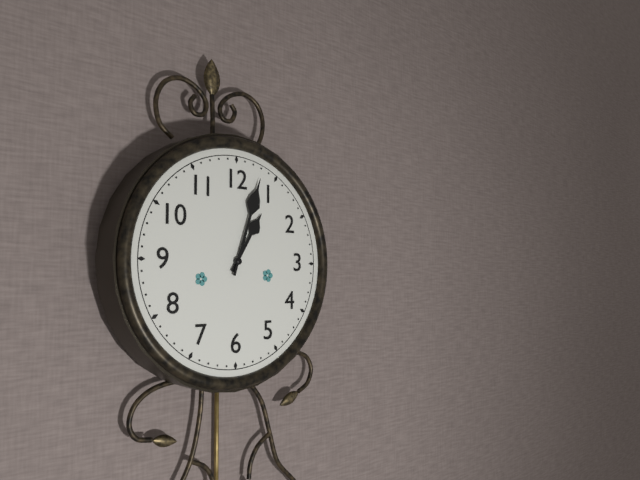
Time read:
h=1 m=3
